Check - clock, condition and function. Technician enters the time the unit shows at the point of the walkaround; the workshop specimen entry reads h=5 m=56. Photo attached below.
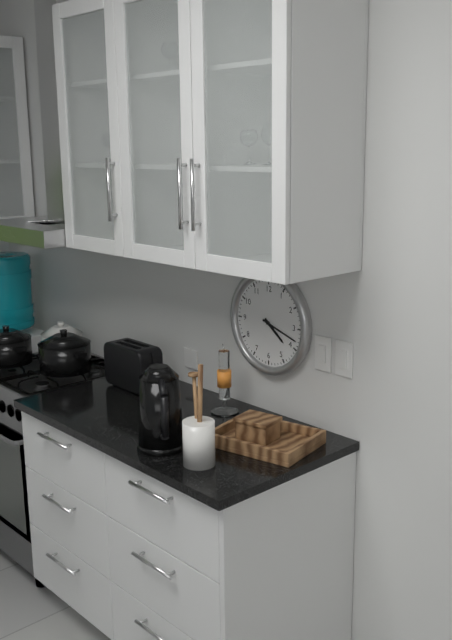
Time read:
h=4 m=18
